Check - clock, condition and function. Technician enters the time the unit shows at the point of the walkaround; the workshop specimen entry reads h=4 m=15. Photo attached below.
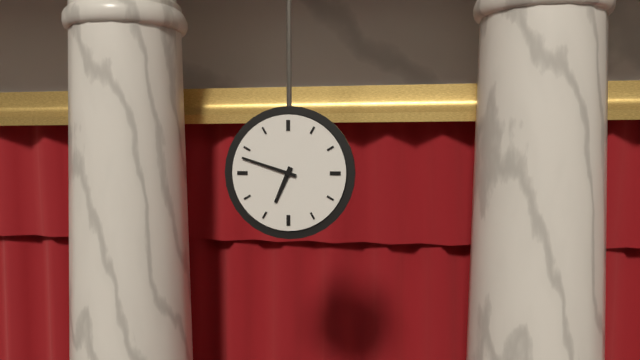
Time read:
h=6 m=48
